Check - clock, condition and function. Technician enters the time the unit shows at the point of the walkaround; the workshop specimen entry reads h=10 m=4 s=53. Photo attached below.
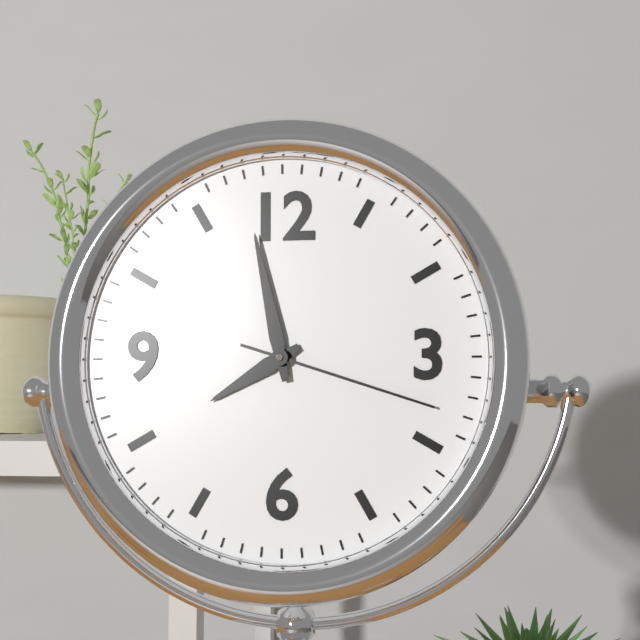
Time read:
h=7 m=58 s=18
